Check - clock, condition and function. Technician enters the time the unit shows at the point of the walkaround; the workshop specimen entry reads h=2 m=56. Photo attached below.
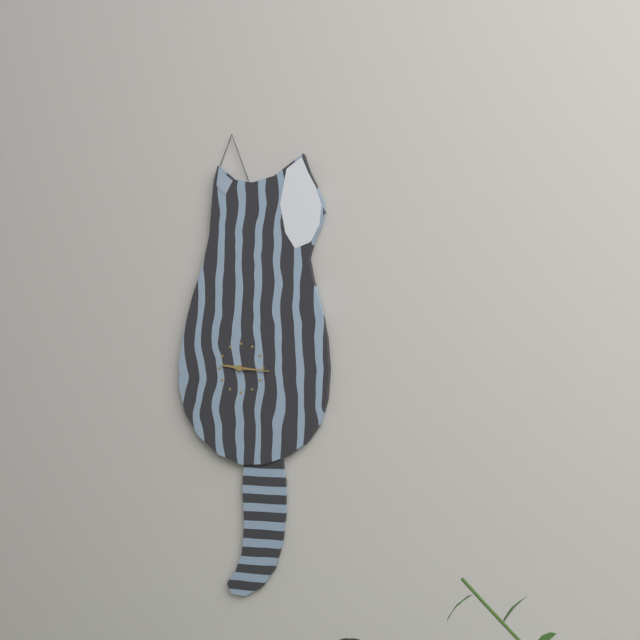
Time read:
h=9 m=16
